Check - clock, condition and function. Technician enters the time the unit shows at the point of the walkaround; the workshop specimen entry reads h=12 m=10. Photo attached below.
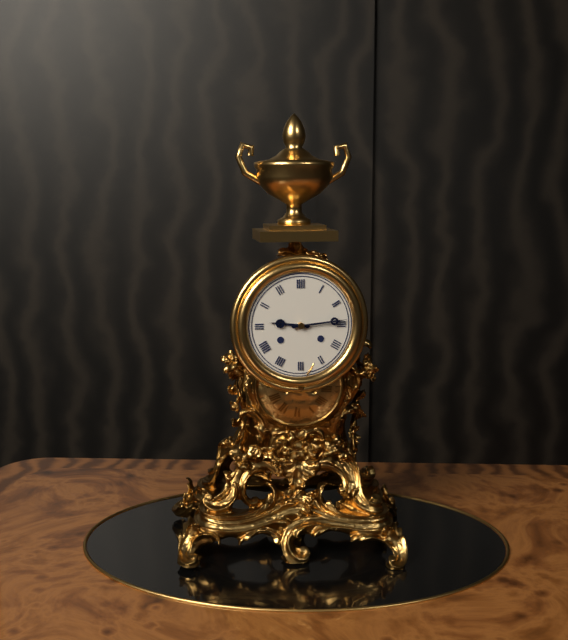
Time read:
h=9 m=14
